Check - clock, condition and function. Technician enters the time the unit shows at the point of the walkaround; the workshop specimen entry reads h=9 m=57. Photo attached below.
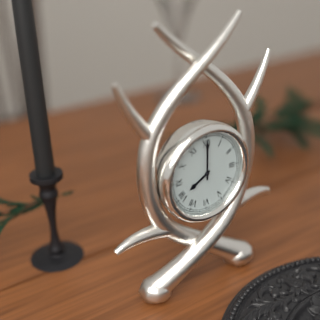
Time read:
h=8 m=0
